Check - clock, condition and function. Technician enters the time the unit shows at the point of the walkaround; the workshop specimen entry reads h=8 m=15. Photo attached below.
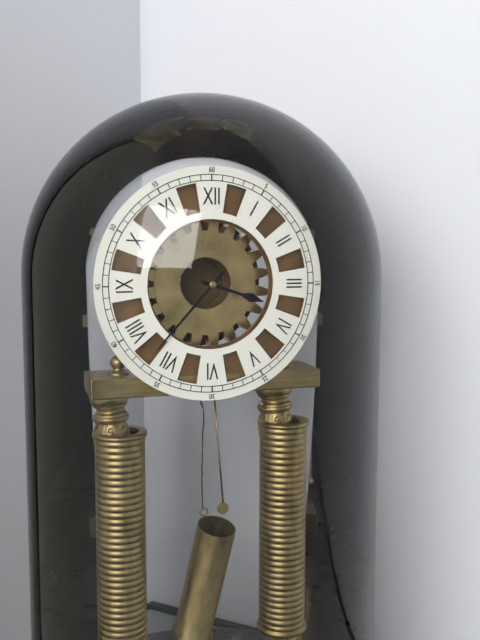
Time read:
h=3 m=37
